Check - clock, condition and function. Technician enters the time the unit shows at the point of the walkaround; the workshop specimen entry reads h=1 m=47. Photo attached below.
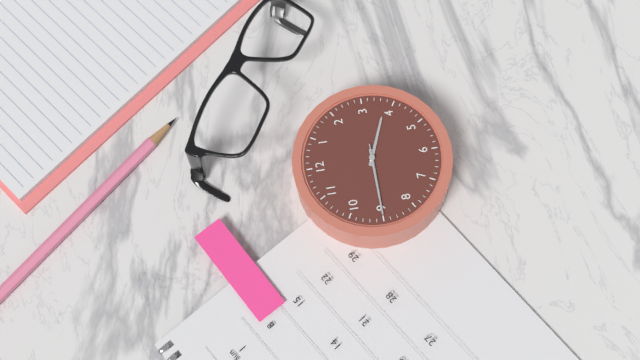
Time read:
h=3 m=45
